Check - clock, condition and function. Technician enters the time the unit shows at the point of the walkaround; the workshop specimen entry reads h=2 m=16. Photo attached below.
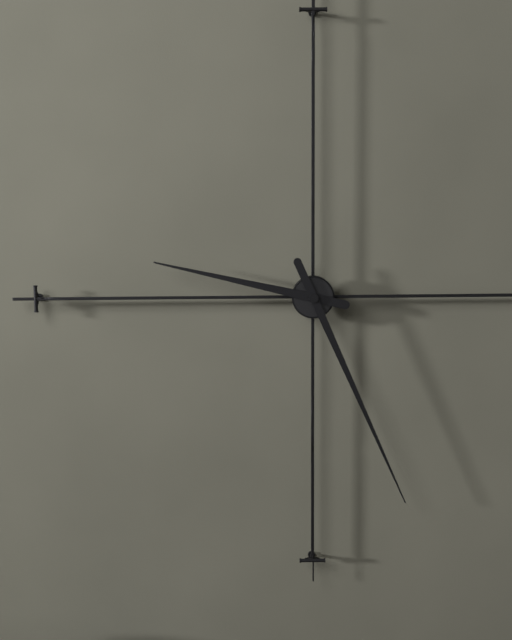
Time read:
h=9 m=26
